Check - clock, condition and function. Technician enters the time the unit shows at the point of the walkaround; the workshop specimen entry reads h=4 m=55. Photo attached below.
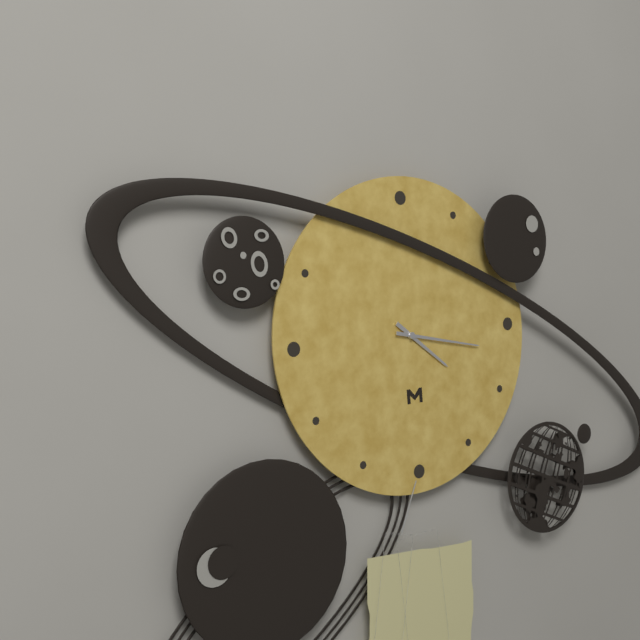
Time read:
h=4 m=17
